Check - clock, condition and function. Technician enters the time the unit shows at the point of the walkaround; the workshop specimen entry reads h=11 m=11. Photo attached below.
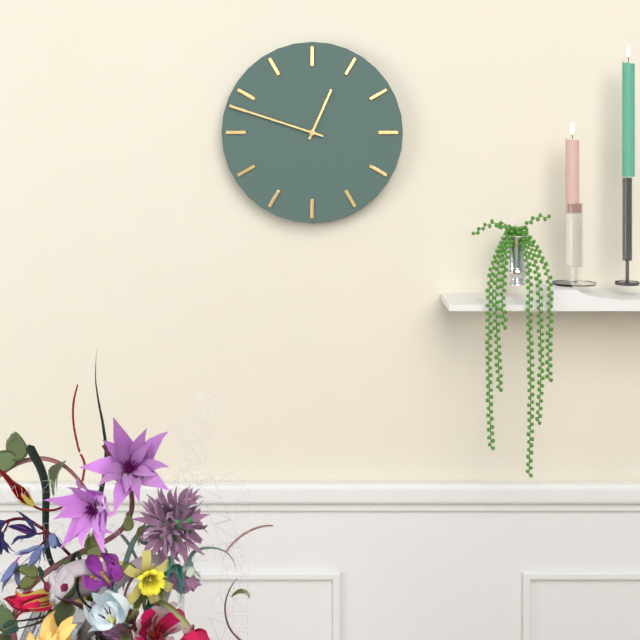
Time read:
h=12 m=48
